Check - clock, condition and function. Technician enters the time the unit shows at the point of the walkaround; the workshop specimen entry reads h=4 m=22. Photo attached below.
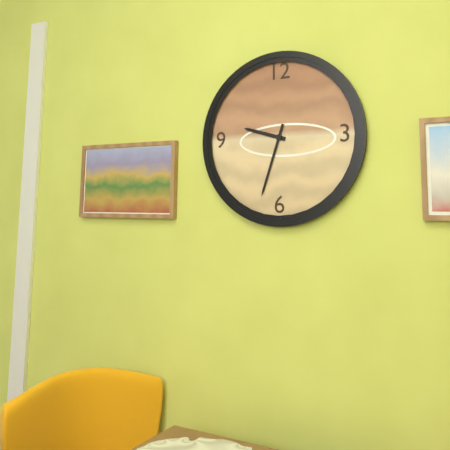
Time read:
h=9 m=33
